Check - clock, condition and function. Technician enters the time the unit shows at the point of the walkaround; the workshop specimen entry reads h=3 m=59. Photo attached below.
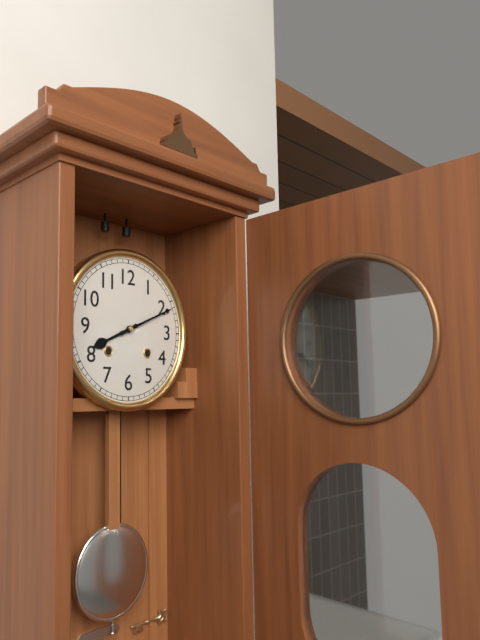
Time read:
h=8 m=11
